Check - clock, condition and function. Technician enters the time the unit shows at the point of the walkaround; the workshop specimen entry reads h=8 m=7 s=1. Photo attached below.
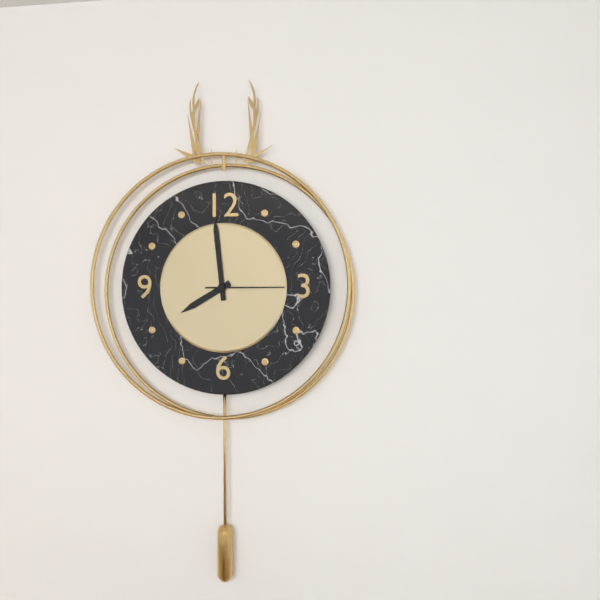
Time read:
h=7 m=59 s=15
